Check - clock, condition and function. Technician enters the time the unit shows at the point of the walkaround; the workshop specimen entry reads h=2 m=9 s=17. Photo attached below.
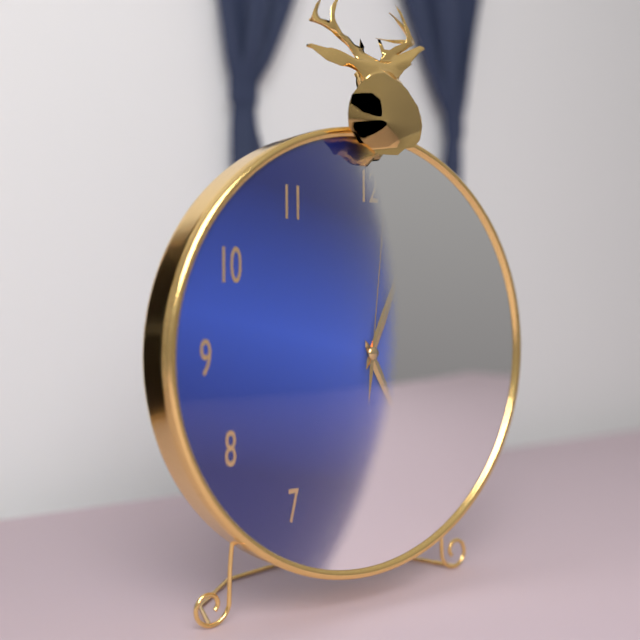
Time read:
h=5 m=4 s=1
